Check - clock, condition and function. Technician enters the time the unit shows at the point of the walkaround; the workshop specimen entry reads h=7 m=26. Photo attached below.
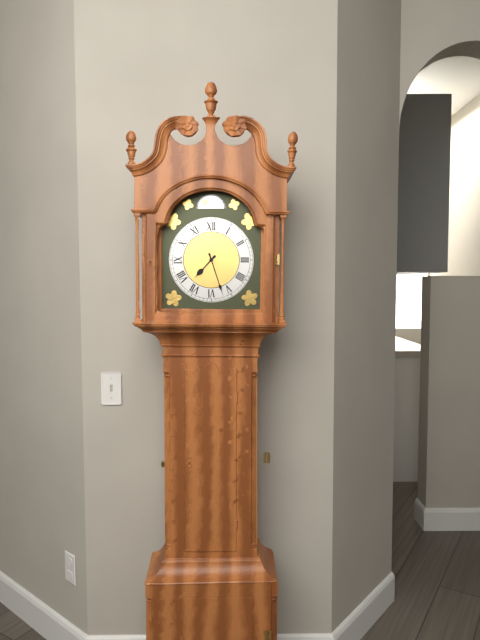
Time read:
h=7 m=27
